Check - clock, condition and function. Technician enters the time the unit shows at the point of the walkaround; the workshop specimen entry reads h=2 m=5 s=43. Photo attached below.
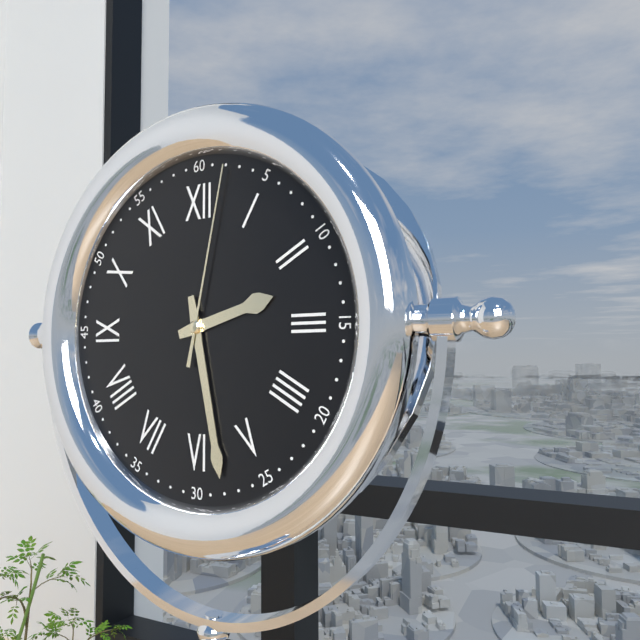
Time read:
h=2 m=28 s=2
